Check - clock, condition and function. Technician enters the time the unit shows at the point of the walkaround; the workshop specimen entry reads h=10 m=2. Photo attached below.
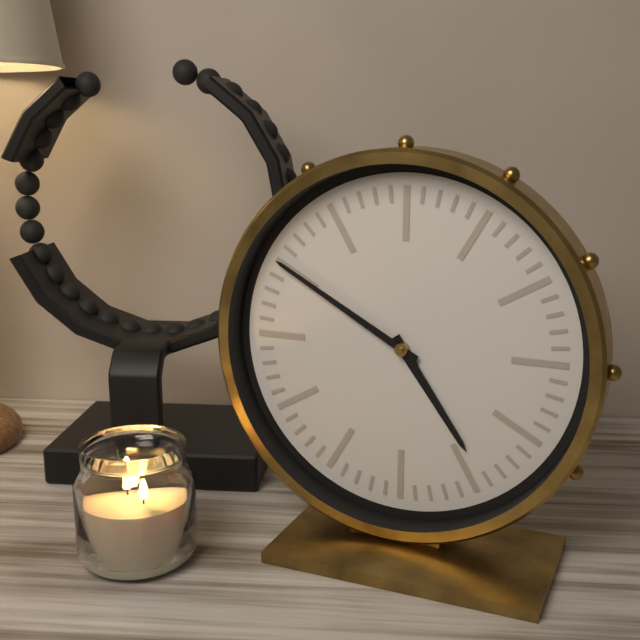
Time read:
h=4 m=50
